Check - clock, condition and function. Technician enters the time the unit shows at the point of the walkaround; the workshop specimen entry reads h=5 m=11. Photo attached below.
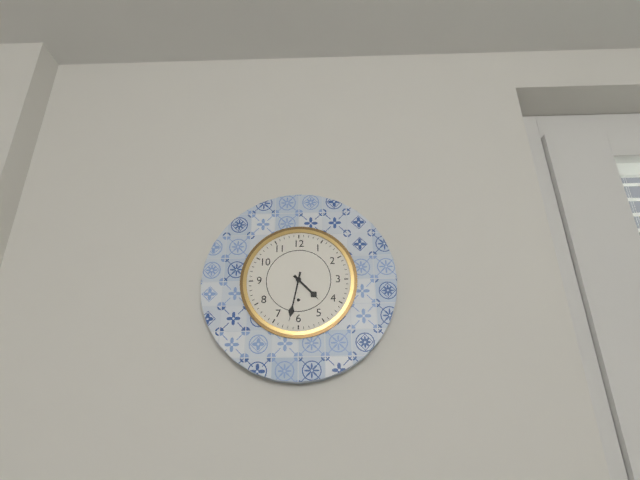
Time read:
h=4 m=32
